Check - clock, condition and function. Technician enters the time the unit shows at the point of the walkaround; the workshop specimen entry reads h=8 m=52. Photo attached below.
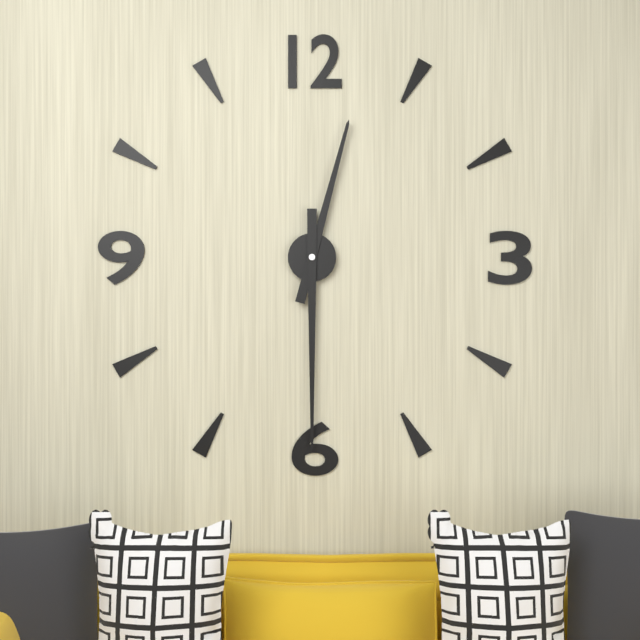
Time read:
h=12 m=30
